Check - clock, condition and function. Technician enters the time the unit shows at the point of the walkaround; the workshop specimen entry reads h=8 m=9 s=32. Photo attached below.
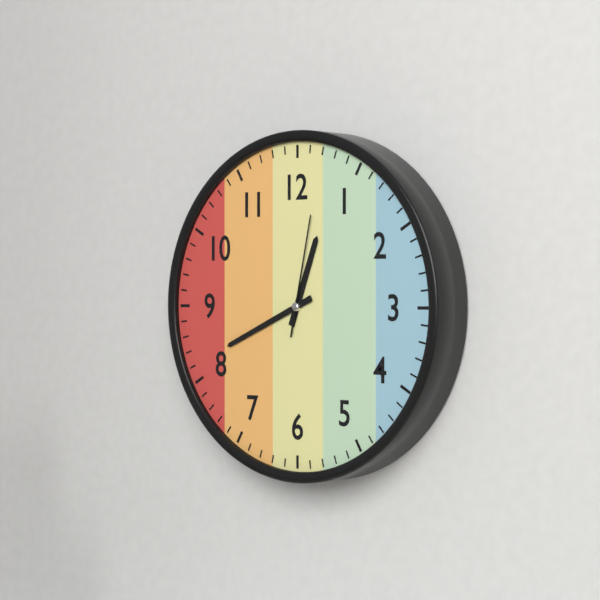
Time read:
h=12 m=41 s=2
